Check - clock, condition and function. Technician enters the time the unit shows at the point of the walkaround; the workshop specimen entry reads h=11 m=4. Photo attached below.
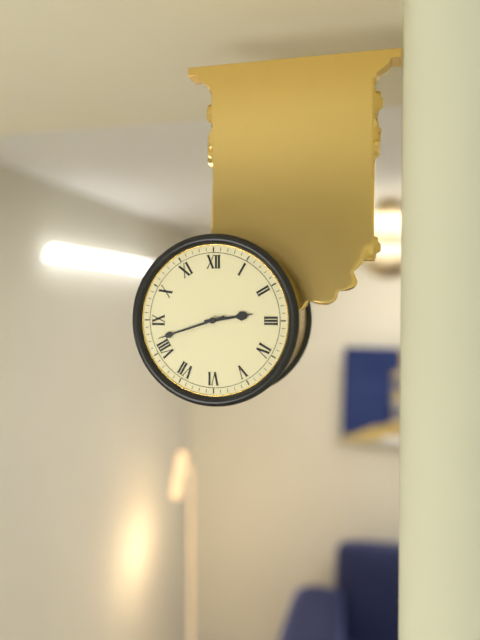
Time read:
h=2 m=42
